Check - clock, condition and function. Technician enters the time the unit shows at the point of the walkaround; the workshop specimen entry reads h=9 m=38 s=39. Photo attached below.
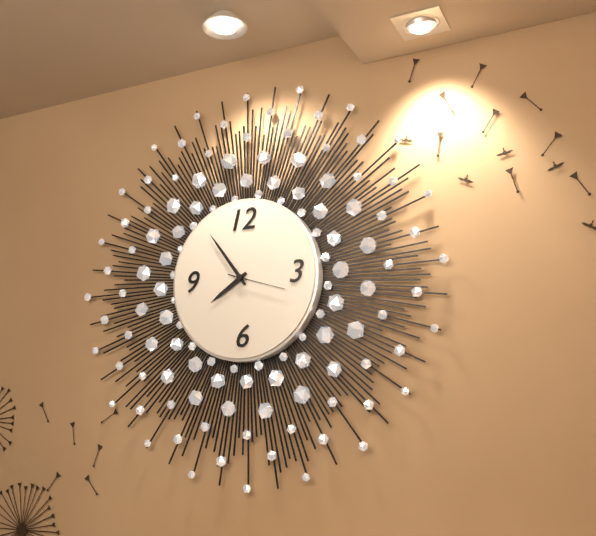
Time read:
h=7 m=54 s=18
